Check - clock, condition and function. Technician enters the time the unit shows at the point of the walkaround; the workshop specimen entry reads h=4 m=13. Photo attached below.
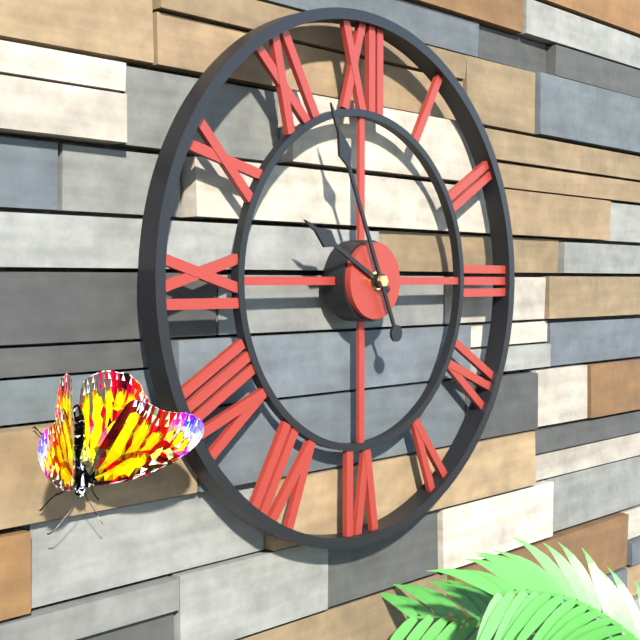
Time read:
h=9 m=56
